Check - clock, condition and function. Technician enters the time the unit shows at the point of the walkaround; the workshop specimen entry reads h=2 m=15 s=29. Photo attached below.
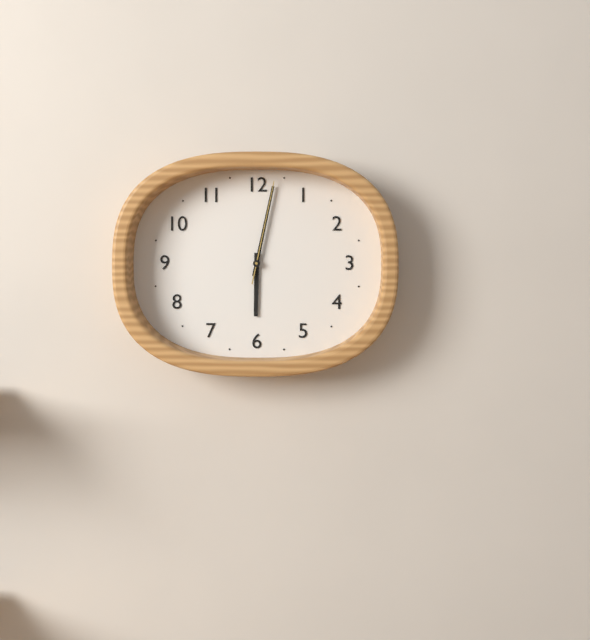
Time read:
h=6 m=2 s=2
